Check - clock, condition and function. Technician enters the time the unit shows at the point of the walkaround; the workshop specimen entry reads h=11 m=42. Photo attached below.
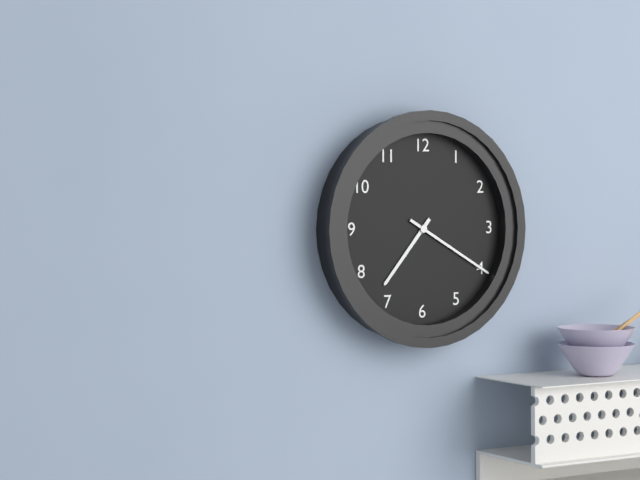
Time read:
h=7 m=20
